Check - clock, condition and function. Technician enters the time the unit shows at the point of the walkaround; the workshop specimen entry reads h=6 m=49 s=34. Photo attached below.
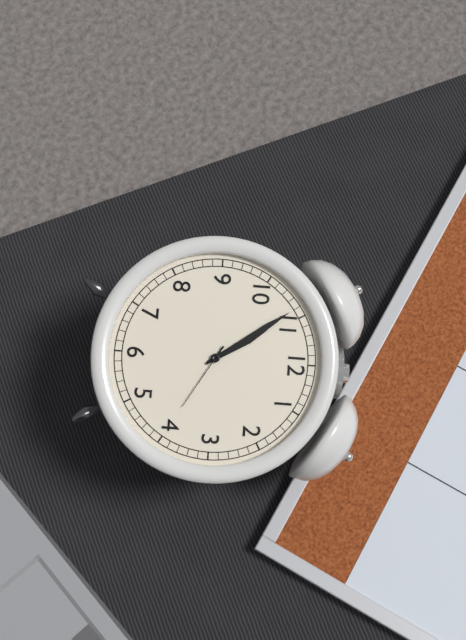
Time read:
h=10 m=54 s=20
